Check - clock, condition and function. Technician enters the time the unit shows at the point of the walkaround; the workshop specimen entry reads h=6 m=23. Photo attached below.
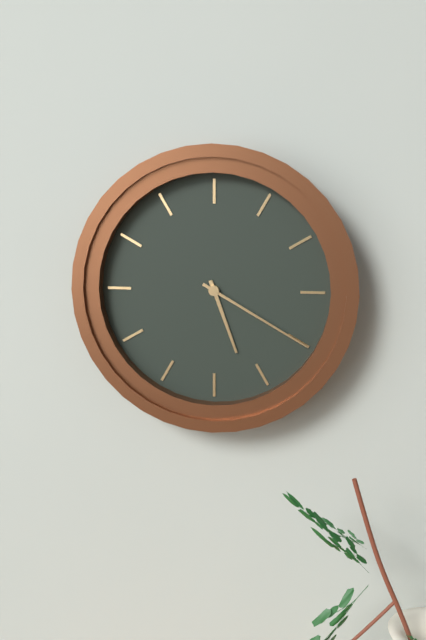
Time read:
h=5 m=20
